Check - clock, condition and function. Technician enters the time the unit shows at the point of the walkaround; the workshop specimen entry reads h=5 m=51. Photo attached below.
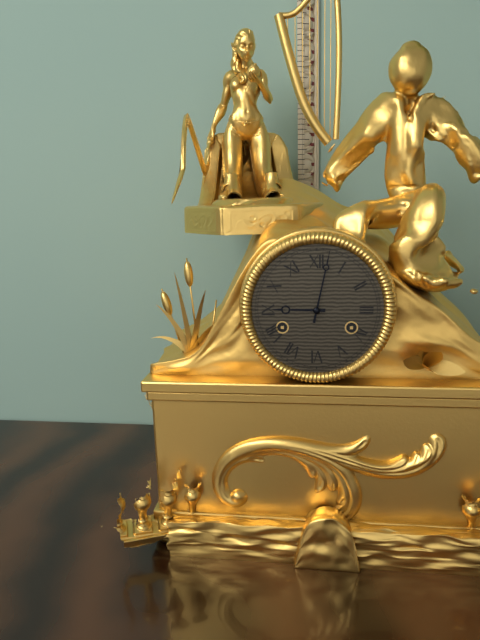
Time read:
h=9 m=2
